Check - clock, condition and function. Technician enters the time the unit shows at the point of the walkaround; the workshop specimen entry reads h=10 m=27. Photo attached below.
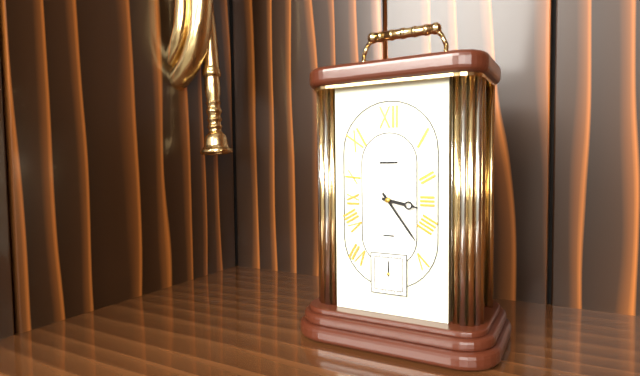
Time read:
h=3 m=24
